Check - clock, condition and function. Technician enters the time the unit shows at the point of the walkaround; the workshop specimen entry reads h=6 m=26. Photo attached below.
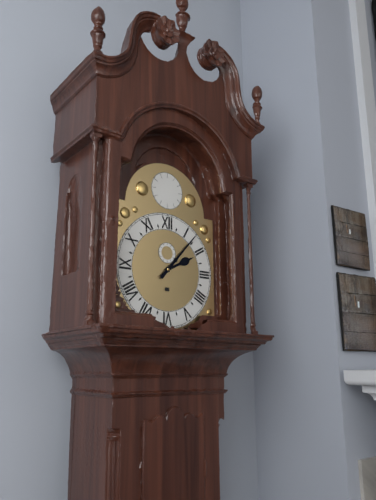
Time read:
h=2 m=7
